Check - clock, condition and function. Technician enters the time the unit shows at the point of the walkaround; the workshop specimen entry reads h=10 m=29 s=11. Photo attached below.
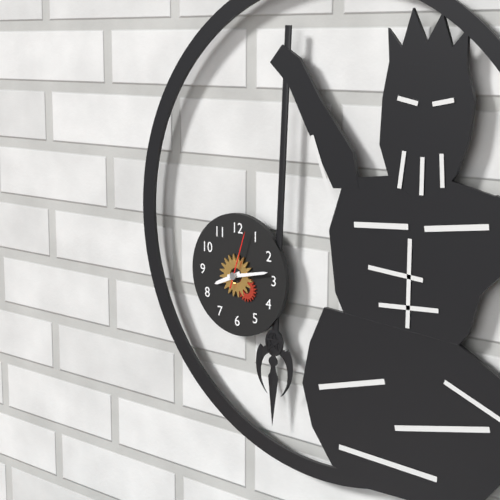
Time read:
h=8 m=13 s=3
